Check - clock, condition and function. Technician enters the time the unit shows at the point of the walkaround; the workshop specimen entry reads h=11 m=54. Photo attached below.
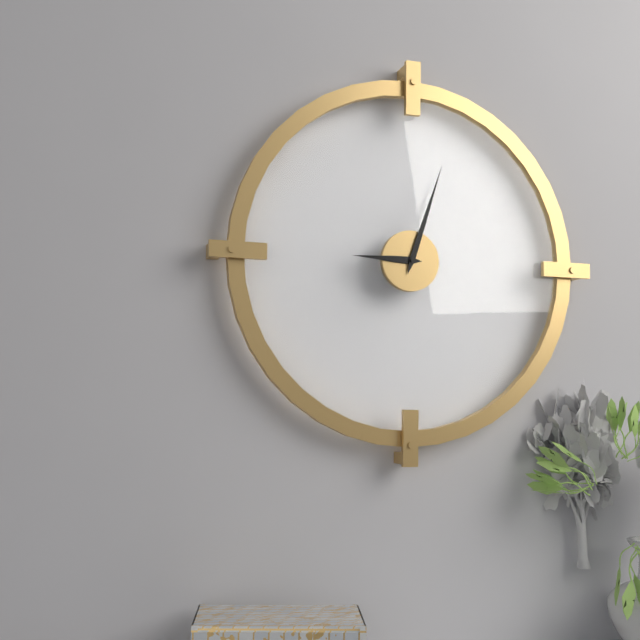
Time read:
h=9 m=3
